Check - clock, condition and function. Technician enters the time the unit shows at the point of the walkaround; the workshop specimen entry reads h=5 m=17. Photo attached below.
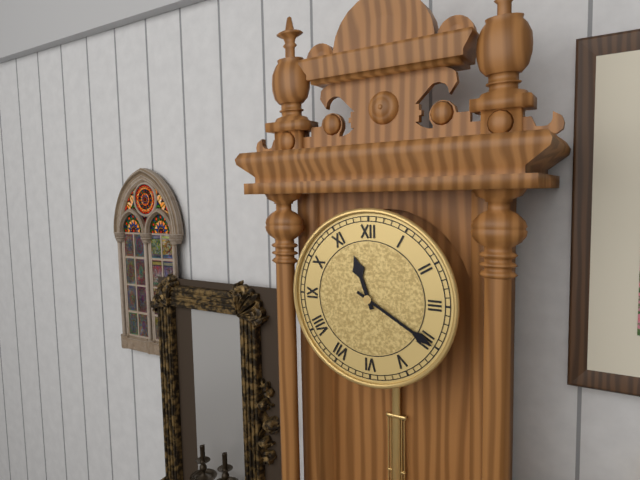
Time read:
h=11 m=20
